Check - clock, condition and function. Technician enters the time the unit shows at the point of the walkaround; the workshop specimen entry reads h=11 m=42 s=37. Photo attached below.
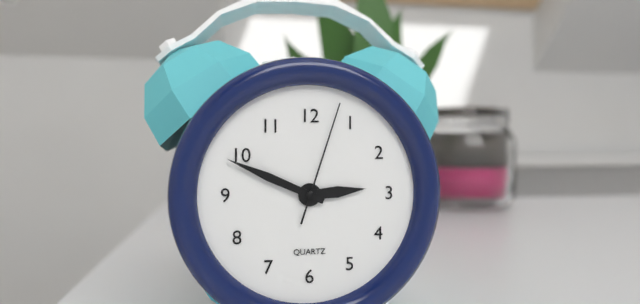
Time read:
h=2 m=49 s=3
